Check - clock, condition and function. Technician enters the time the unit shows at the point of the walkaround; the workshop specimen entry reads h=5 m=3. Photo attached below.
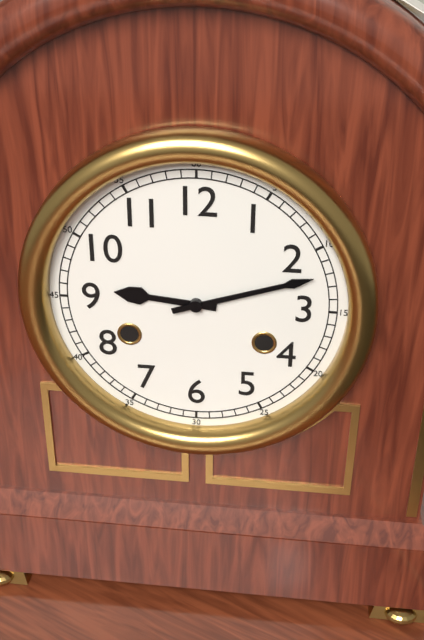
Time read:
h=9 m=12
